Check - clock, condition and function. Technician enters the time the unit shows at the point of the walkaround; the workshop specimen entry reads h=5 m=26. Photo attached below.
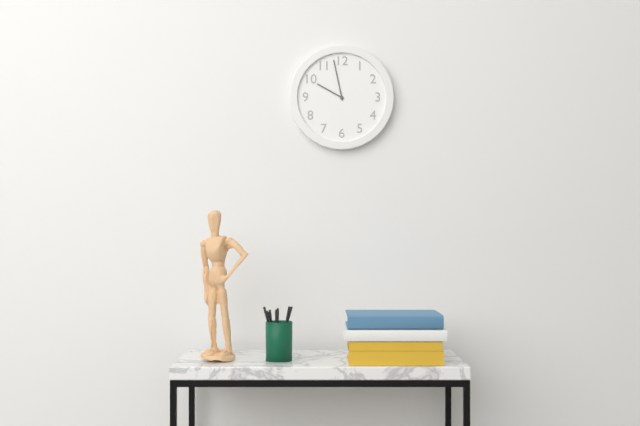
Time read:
h=9 m=58
